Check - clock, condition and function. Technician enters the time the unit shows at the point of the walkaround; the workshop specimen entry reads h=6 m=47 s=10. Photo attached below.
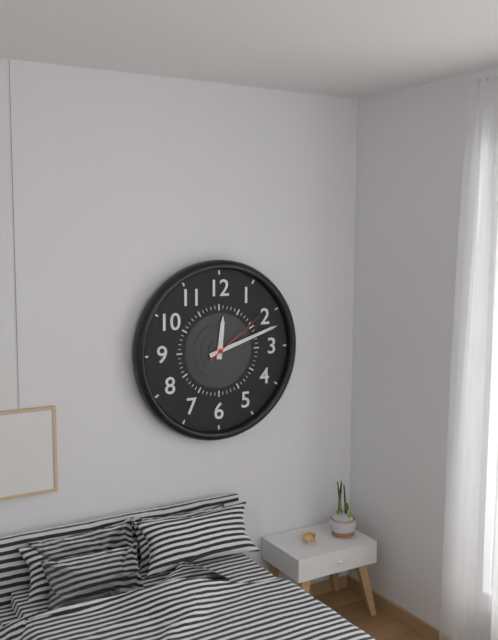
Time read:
h=12 m=12 s=9
